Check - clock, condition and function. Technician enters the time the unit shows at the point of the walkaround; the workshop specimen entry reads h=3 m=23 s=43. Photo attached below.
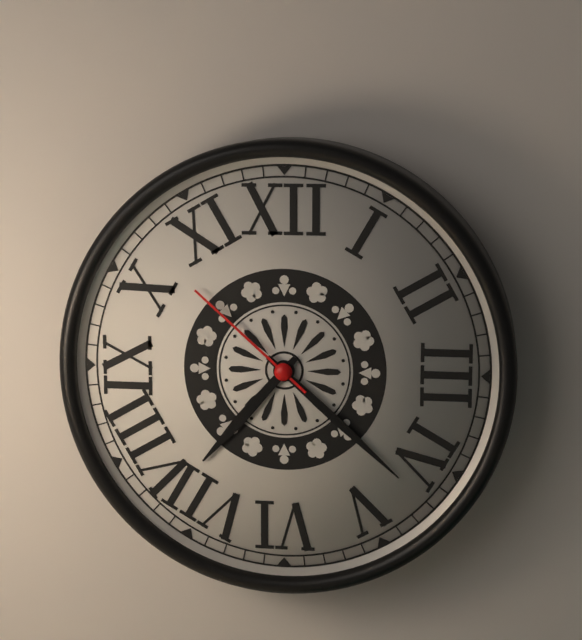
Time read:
h=7 m=22 s=52
